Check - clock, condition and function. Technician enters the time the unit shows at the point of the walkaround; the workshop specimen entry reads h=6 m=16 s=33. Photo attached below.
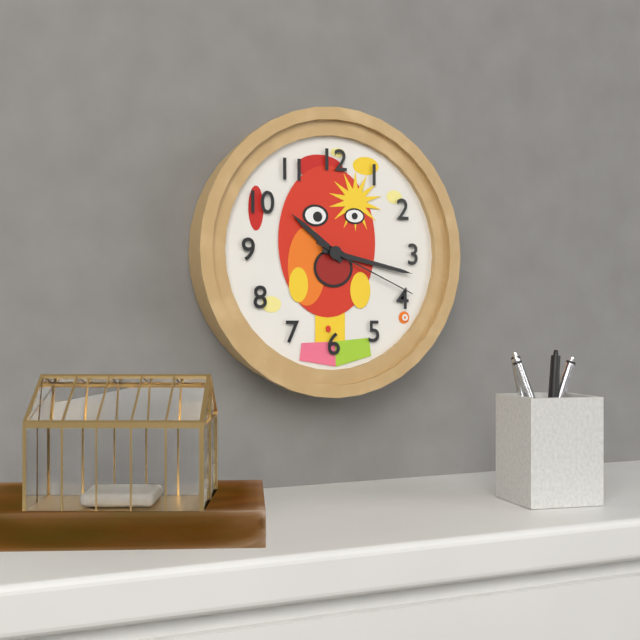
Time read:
h=10 m=17 s=19
